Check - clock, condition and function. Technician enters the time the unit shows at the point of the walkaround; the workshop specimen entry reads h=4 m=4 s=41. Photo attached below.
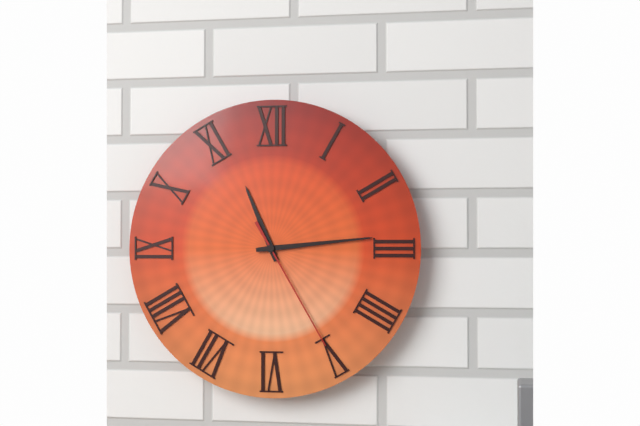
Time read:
h=11 m=14 s=25
